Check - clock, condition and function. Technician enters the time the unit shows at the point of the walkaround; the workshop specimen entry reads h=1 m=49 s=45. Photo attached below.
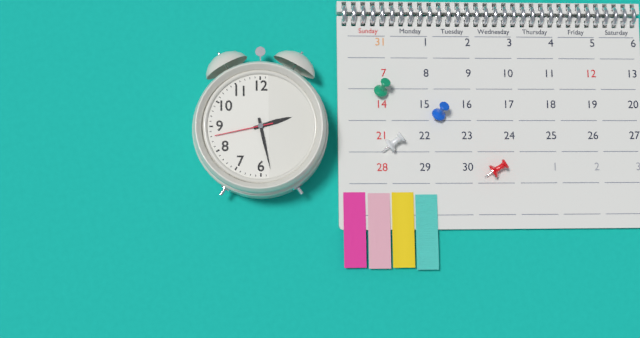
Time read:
h=2 m=28 s=43
